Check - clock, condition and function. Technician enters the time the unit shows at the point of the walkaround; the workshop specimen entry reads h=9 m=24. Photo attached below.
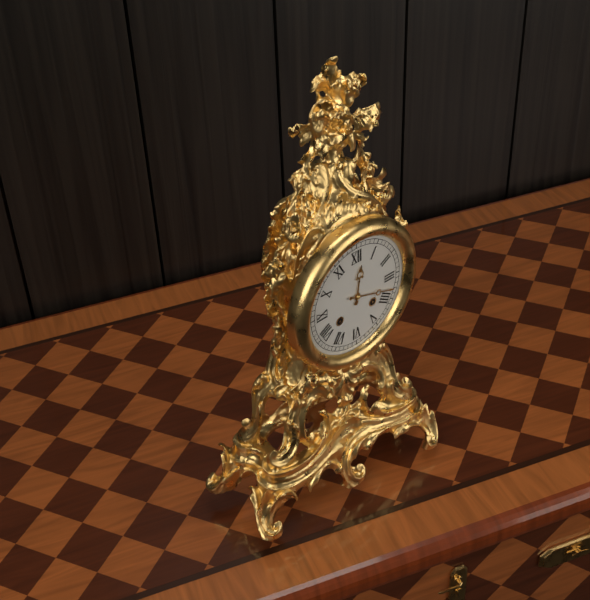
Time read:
h=12 m=18
